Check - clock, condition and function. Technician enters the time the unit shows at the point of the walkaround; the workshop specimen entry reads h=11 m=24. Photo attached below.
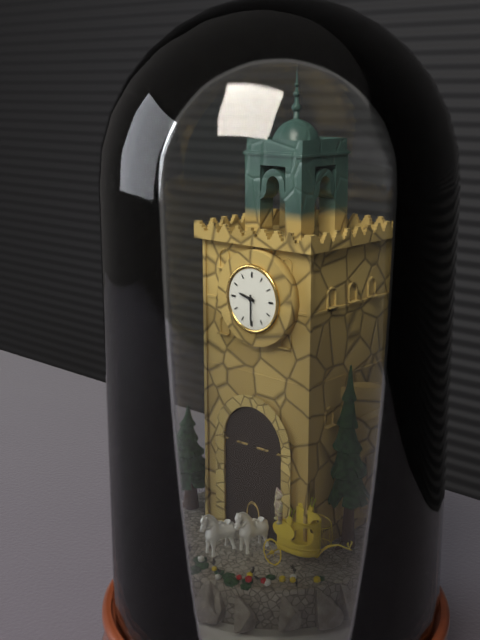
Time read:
h=9 m=30
